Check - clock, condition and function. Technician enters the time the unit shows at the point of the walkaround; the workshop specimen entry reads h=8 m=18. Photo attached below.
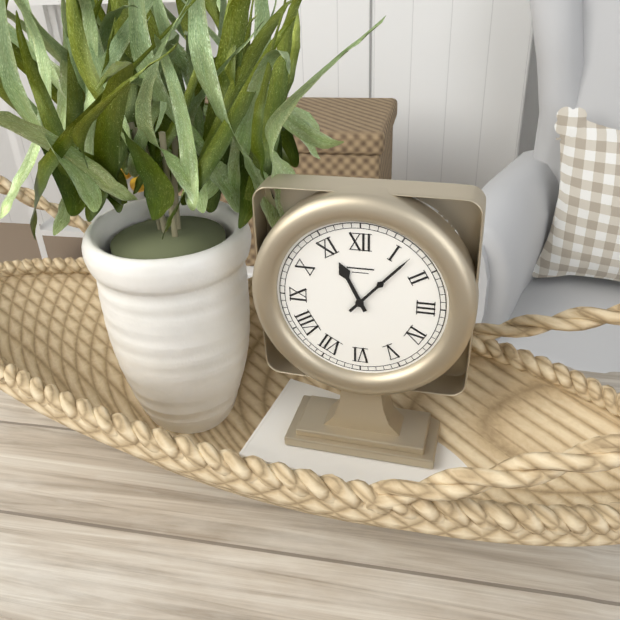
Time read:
h=11 m=7
